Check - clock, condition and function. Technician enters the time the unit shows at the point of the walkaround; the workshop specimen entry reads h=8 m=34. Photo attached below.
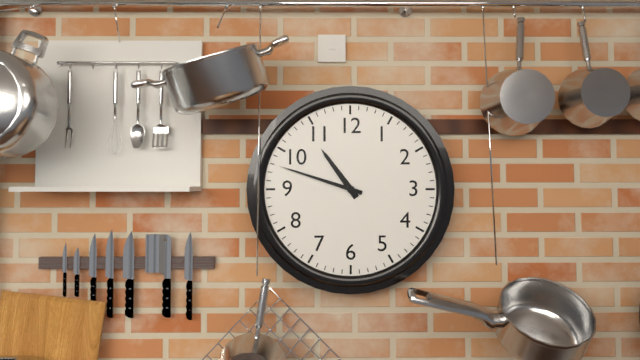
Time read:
h=10 m=48
